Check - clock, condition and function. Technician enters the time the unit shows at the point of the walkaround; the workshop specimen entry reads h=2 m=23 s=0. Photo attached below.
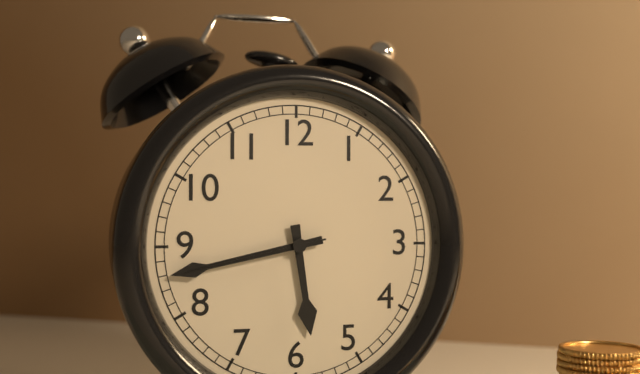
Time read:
h=5 m=43 s=43
